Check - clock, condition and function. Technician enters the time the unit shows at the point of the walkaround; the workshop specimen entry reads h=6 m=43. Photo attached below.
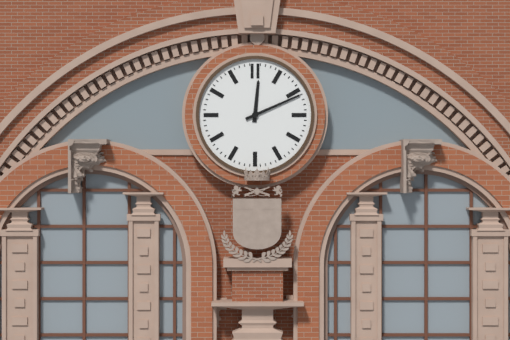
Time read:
h=12 m=11
